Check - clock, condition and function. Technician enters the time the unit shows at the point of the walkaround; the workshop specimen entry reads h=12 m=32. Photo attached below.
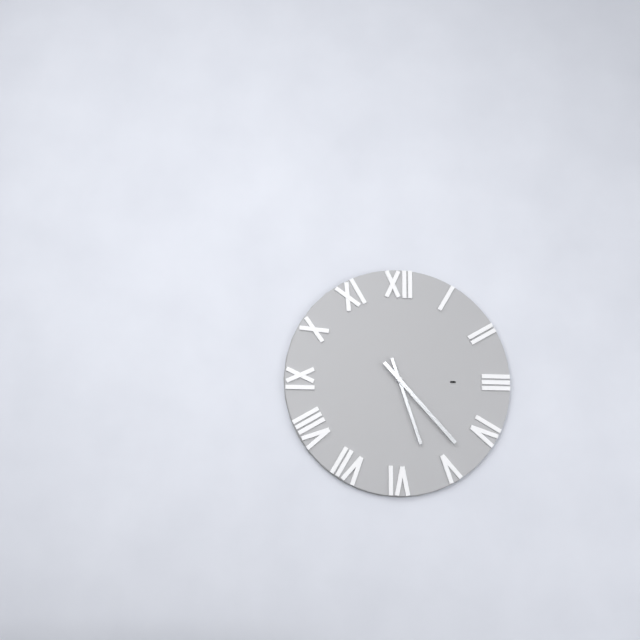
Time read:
h=5 m=23
